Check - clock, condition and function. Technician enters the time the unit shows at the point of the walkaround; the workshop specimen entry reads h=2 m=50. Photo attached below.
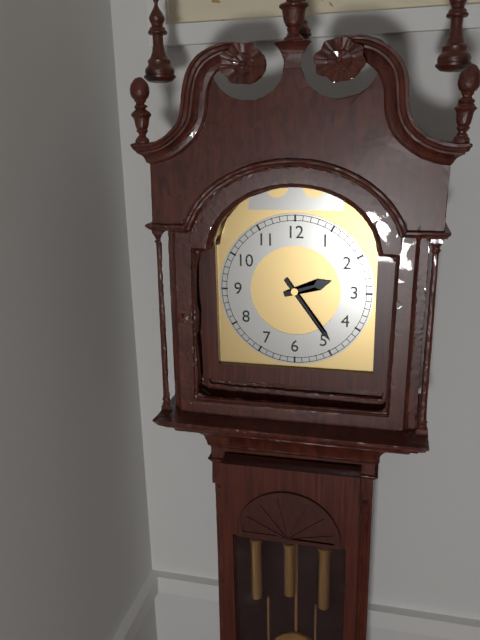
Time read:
h=2 m=24
